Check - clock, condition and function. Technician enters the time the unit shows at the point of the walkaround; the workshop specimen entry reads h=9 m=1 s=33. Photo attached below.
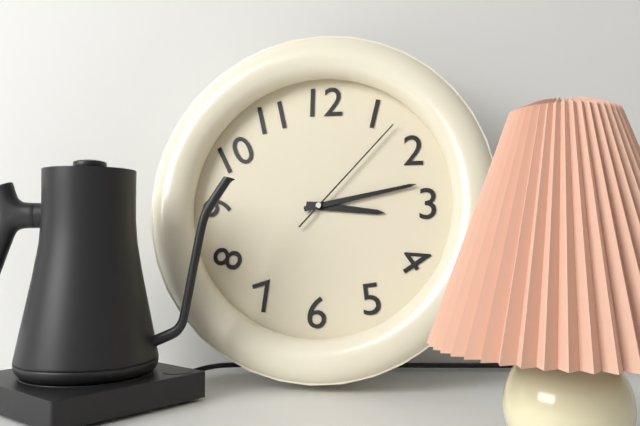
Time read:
h=3 m=13 s=7
